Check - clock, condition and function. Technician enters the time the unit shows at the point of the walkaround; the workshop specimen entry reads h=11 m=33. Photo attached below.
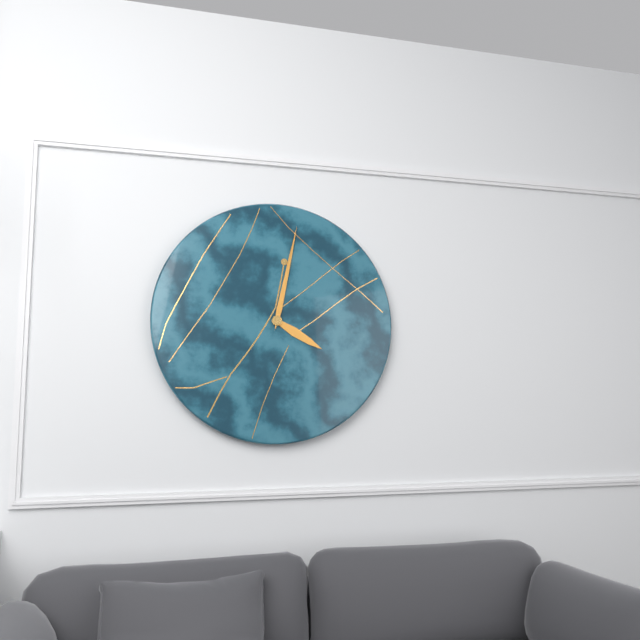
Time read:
h=4 m=2
